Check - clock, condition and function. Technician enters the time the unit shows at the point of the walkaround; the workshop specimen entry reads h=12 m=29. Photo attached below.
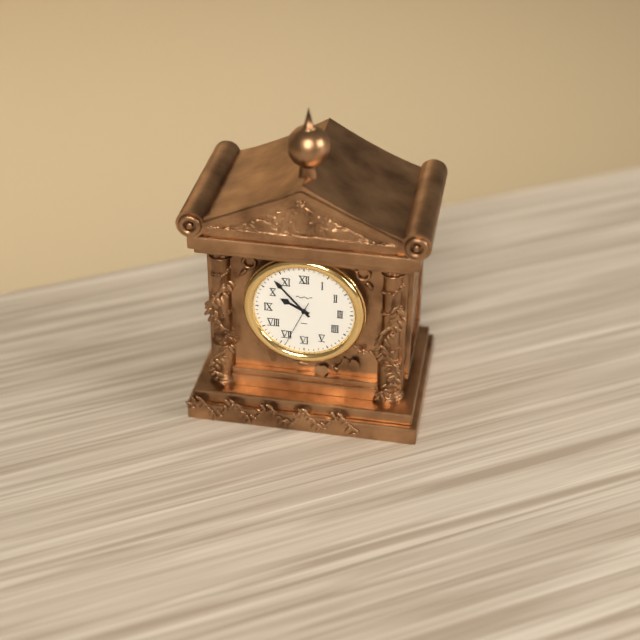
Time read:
h=9 m=53
